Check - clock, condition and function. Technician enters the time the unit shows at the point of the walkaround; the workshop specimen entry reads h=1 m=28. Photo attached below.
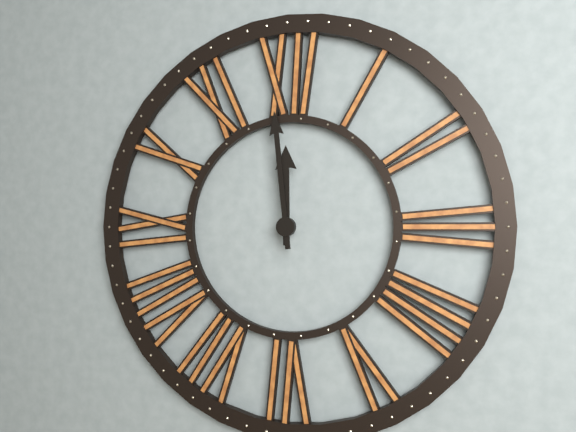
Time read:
h=11 m=59
